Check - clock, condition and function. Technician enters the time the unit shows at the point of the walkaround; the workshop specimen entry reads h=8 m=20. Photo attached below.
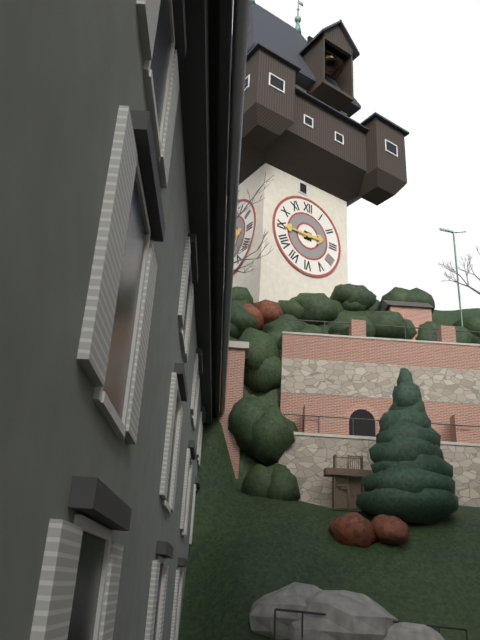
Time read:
h=2 m=45
